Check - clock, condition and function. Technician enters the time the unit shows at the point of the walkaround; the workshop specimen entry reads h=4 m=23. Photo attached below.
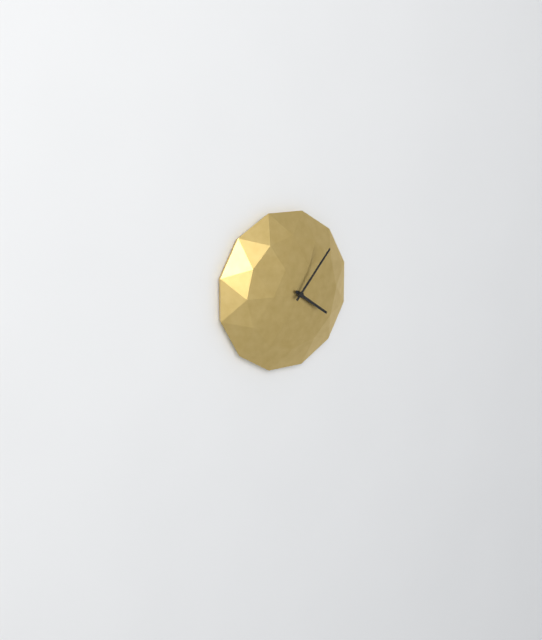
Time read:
h=4 m=7
